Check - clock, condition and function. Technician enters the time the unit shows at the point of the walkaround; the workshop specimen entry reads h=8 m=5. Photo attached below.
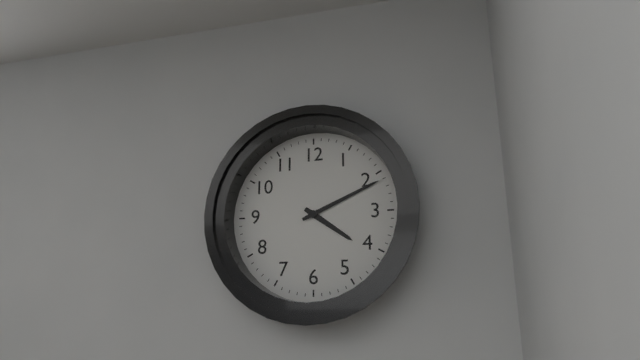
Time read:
h=4 m=11
